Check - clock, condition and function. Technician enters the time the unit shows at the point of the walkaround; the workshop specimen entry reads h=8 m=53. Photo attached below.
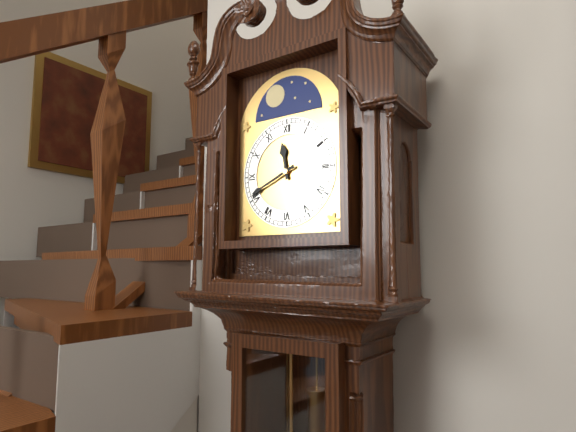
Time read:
h=11 m=41
